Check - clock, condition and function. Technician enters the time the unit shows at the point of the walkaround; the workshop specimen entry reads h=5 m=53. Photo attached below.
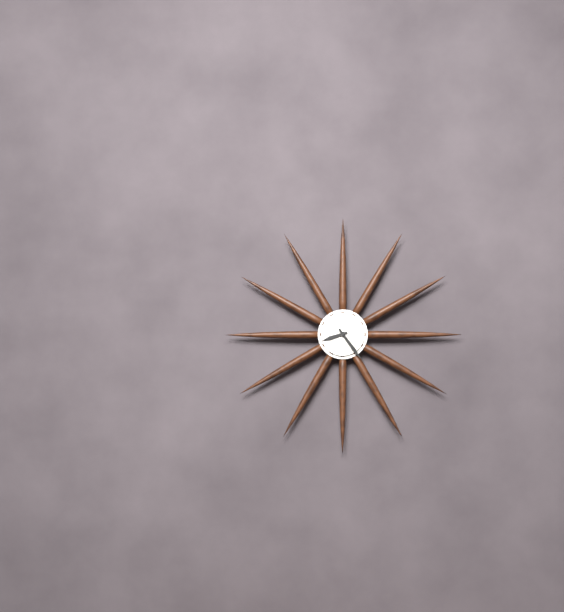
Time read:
h=8 m=24
